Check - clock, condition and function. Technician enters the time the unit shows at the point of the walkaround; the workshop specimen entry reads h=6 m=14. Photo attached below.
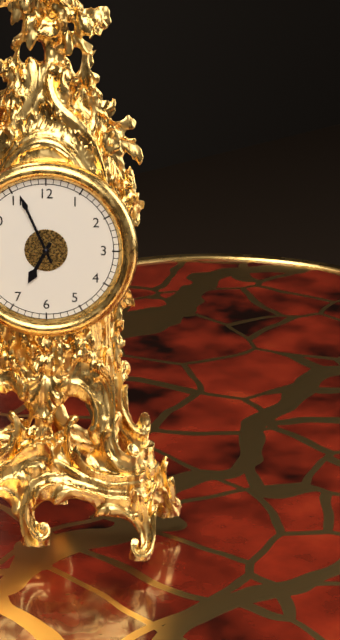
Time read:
h=6 m=56
